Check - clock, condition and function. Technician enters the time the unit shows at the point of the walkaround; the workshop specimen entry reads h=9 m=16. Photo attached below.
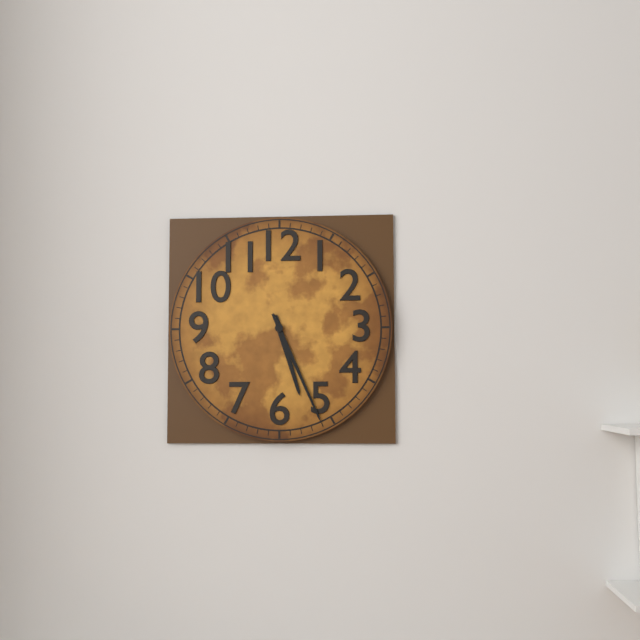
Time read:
h=5 m=26
